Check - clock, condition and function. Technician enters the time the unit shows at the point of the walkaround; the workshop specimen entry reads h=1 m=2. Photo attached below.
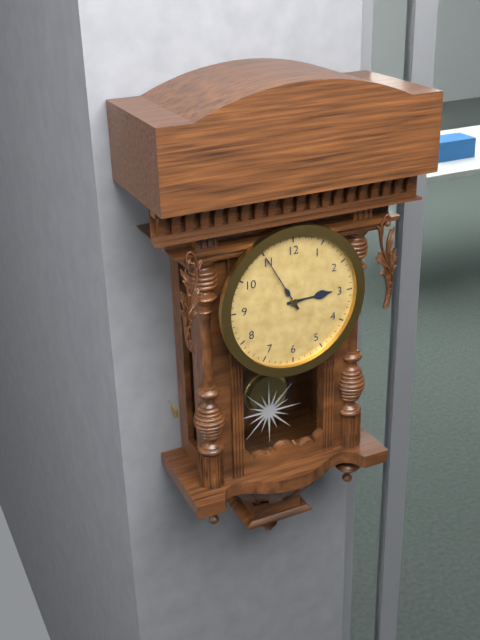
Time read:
h=2 m=55
